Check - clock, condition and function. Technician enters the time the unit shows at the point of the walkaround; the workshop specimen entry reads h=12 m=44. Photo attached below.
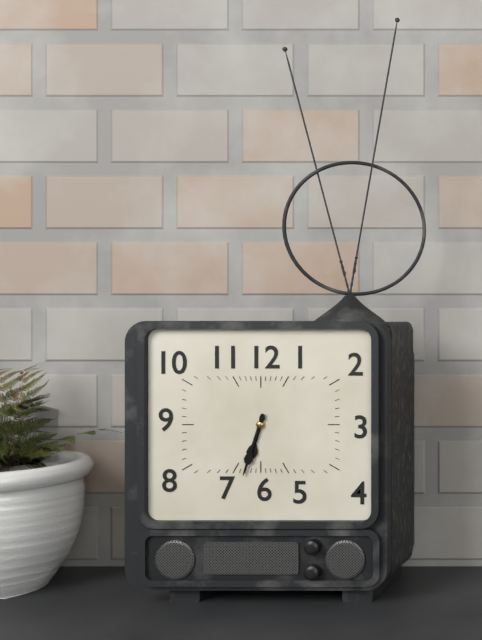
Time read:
h=6 m=33
